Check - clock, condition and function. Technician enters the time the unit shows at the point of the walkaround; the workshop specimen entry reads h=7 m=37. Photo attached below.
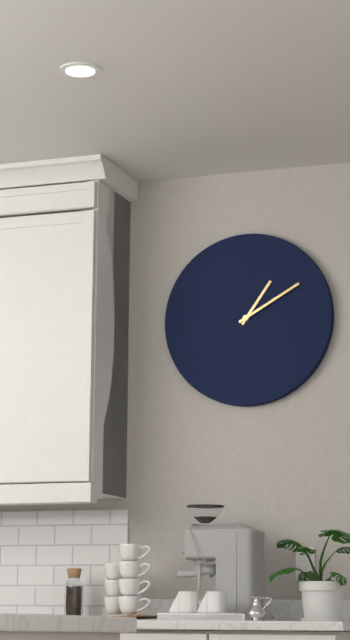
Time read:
h=1 m=10
